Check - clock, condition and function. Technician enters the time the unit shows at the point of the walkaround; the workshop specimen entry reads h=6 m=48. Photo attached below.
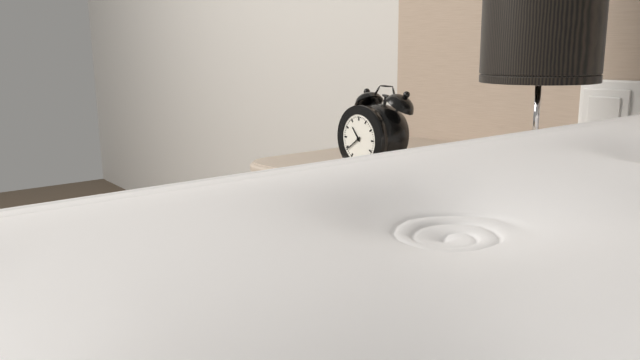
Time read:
h=10 m=39
